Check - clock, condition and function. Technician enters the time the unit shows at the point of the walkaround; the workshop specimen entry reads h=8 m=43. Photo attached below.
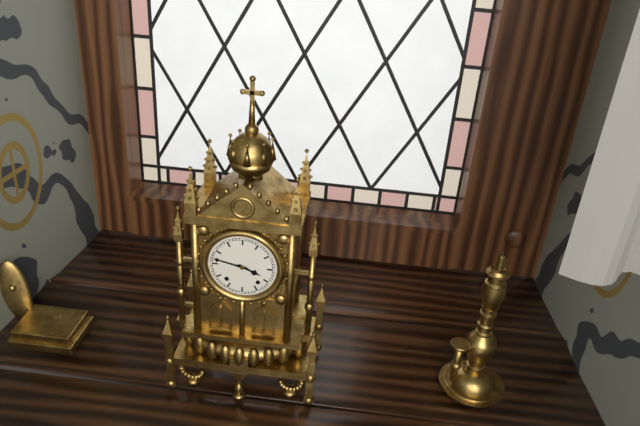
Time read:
h=3 m=47
